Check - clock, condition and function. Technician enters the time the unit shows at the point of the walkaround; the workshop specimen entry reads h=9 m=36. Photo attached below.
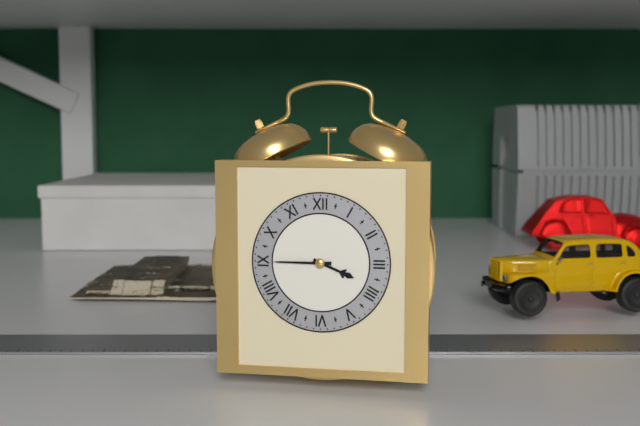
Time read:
h=3 m=45
